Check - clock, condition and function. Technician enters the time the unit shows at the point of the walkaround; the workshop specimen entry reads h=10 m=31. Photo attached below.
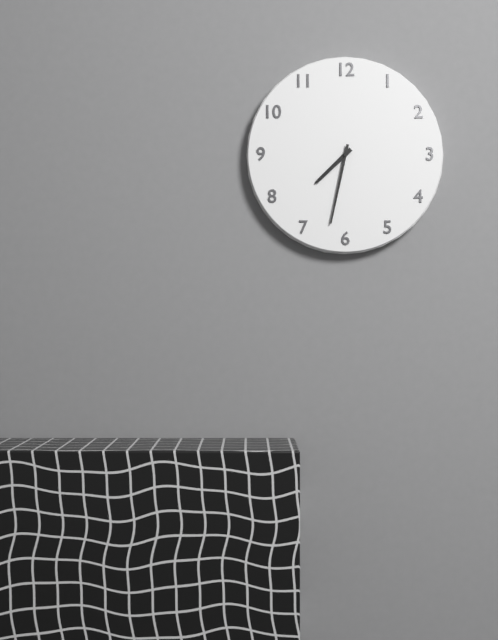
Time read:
h=7 m=32
